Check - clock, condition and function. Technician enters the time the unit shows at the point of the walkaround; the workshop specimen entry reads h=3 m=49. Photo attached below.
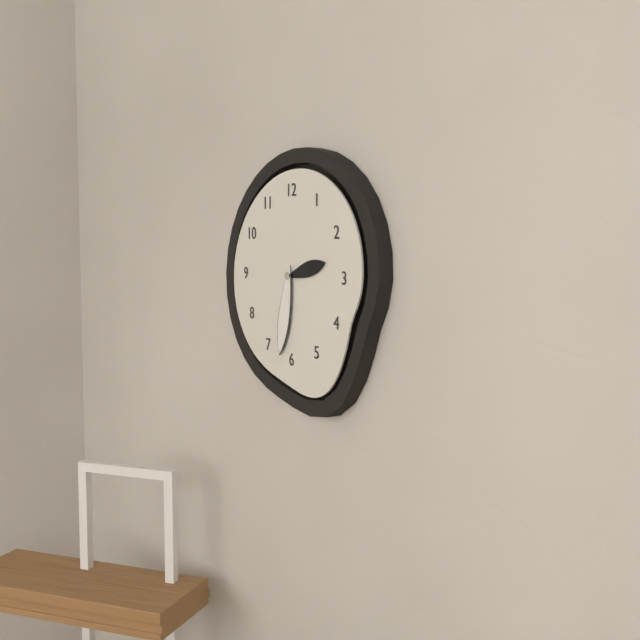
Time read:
h=2 m=32
